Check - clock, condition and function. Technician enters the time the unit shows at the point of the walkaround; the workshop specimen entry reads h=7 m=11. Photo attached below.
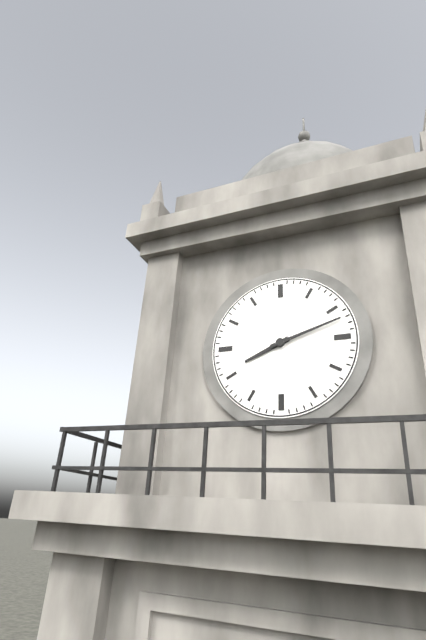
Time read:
h=8 m=12
